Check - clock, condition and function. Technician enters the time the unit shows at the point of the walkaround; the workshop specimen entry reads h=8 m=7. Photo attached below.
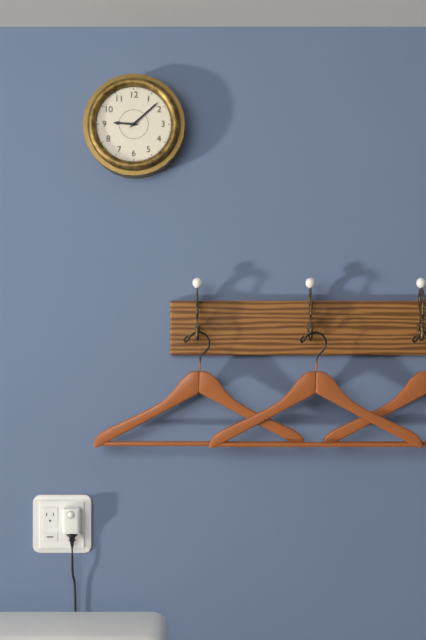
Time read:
h=9 m=8
